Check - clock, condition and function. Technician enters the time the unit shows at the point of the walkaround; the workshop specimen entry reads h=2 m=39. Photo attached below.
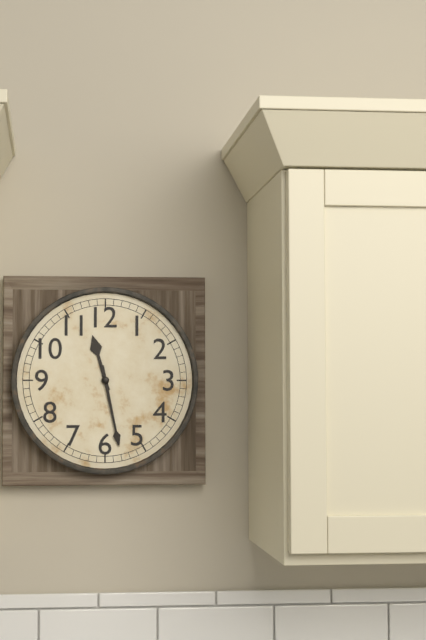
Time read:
h=11 m=28
